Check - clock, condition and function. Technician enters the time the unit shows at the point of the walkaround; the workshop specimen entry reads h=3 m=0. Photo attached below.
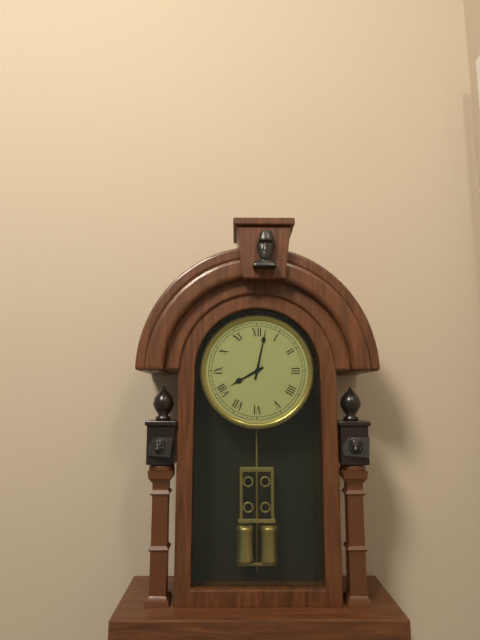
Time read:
h=8 m=2
